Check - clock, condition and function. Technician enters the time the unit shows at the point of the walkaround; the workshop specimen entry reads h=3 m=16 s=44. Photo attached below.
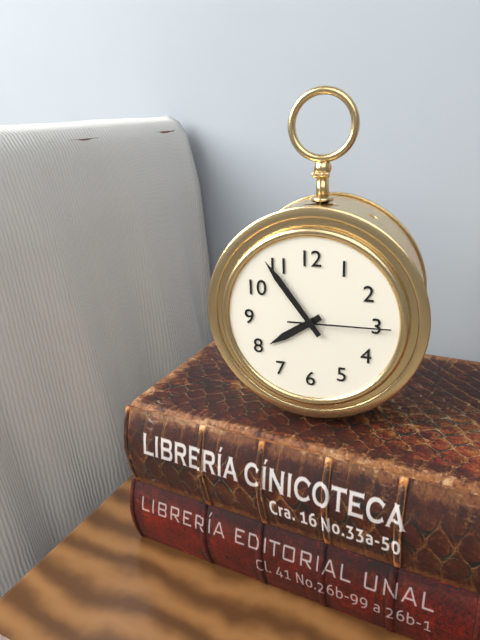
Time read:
h=7 m=54 s=15
